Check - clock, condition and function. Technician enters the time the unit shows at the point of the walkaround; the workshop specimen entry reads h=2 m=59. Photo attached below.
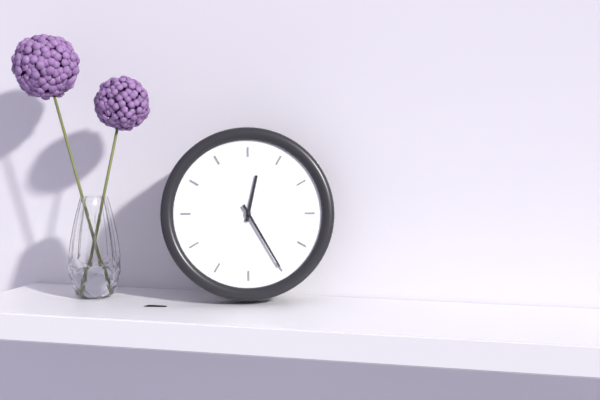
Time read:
h=12 m=25
